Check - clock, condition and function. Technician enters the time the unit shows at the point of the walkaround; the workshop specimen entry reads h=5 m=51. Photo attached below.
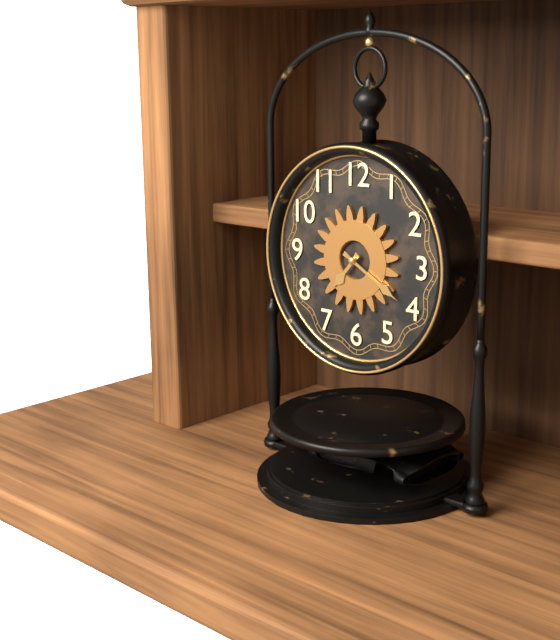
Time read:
h=7 m=20
